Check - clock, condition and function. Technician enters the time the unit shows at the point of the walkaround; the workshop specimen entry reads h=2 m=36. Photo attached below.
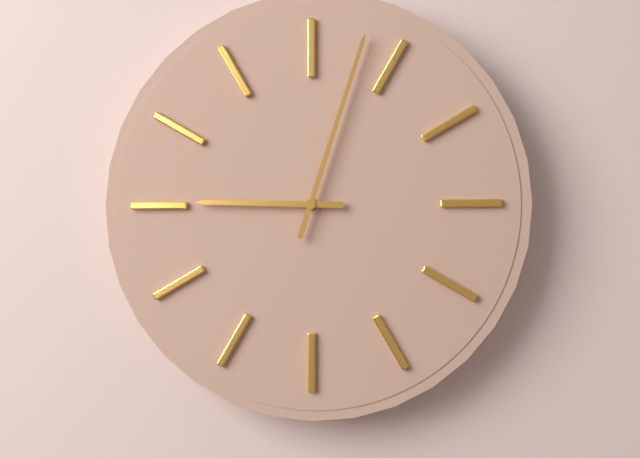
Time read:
h=9 m=3
